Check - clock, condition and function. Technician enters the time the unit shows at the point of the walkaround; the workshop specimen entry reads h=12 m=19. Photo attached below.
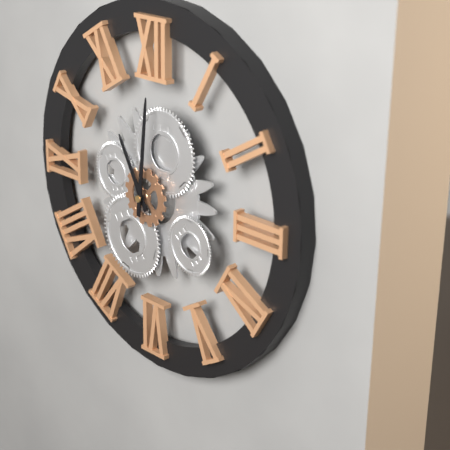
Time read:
h=11 m=1
